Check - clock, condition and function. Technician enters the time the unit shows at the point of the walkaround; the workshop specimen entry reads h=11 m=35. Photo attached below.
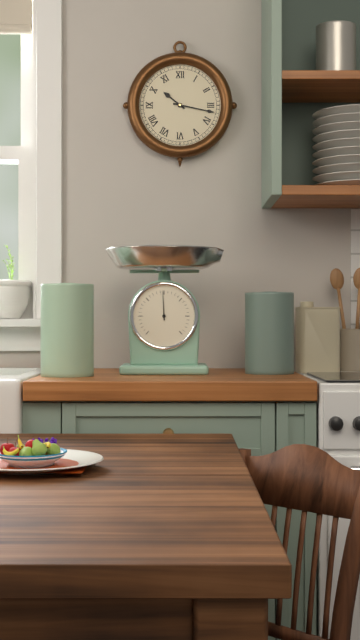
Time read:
h=10 m=17
